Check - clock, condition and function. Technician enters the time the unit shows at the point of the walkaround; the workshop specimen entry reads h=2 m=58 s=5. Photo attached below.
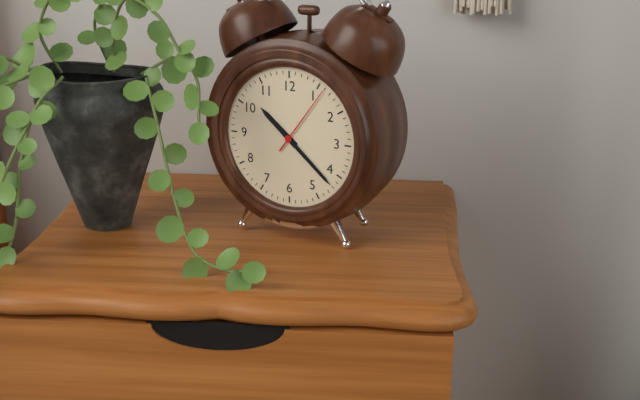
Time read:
h=10 m=22 s=6
